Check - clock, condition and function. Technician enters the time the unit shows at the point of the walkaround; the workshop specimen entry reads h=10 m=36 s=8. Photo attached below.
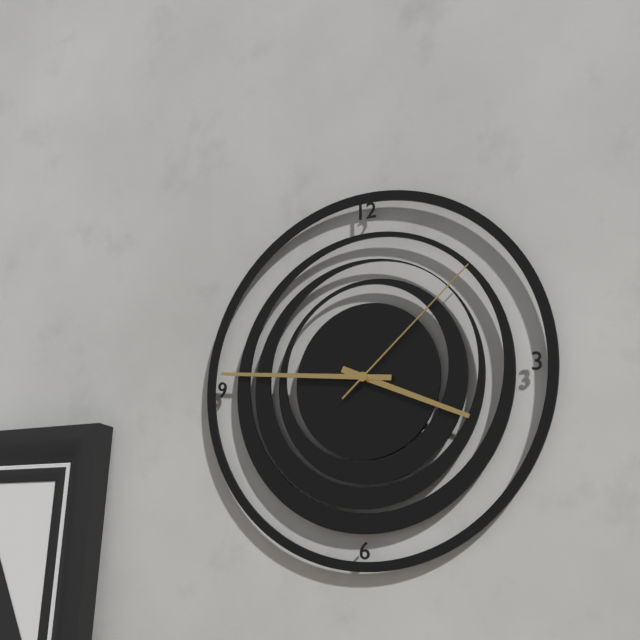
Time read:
h=3 m=46 s=8
